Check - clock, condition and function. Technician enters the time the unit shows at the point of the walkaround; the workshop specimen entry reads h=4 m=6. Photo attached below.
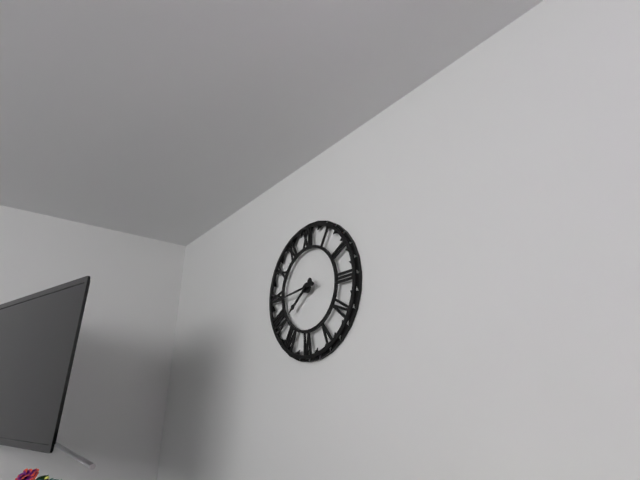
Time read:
h=7 m=44
